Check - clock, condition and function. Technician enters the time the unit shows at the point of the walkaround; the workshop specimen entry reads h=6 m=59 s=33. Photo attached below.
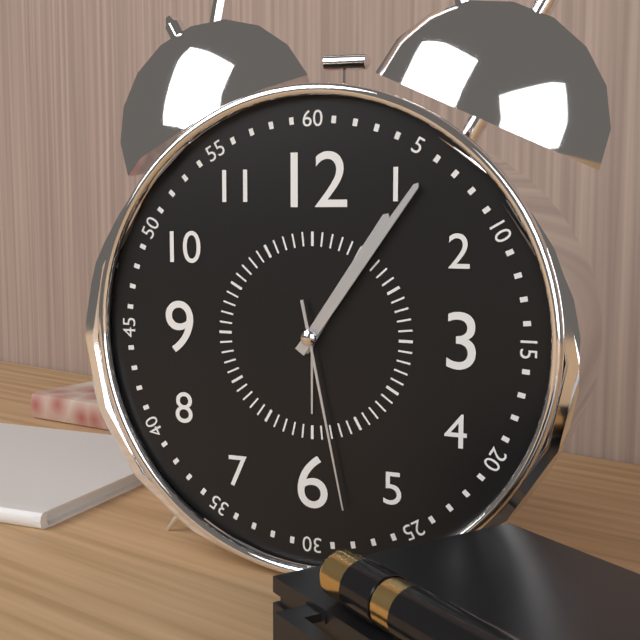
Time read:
h=1 m=6 s=28
